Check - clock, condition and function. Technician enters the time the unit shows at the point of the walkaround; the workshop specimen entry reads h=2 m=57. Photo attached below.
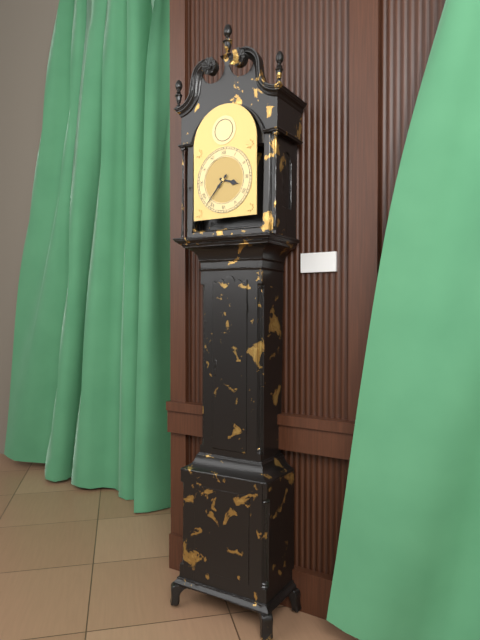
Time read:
h=3 m=37
